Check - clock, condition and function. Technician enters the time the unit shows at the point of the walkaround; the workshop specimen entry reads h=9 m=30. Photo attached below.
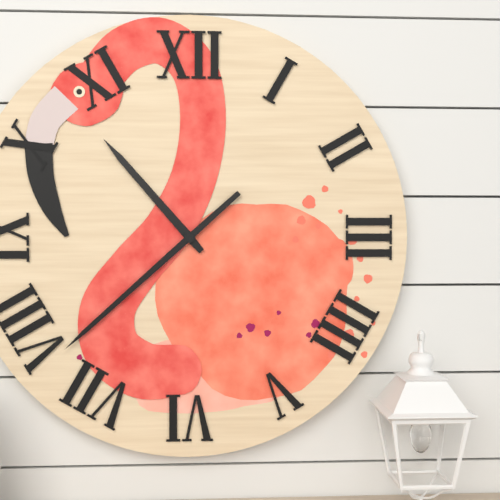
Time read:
h=10 m=38
